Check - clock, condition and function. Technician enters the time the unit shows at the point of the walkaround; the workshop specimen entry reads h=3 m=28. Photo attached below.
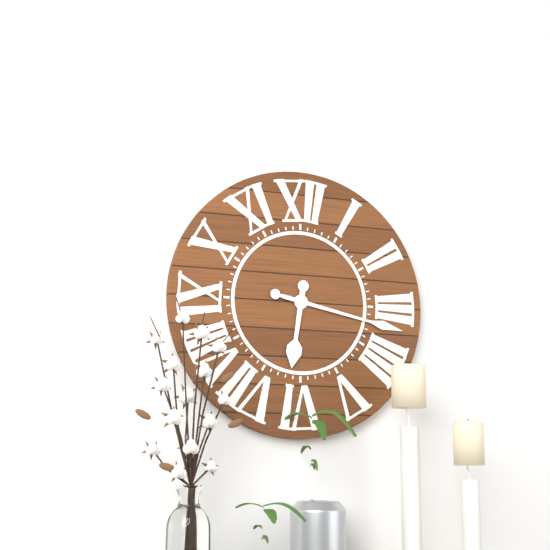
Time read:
h=6 m=17
